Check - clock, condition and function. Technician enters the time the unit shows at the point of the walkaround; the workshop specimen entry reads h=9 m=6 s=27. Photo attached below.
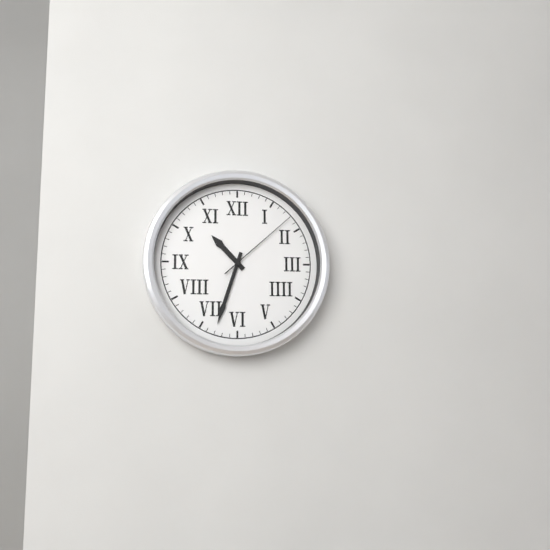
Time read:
h=10 m=33 s=8
